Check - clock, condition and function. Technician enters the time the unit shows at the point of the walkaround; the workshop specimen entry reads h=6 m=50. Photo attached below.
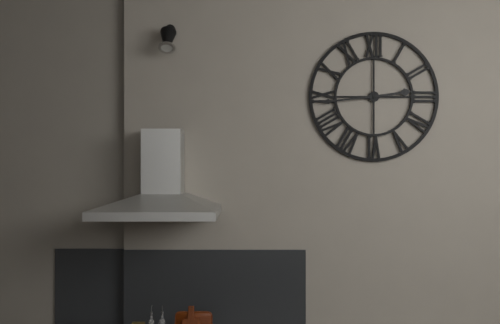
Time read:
h=2 m=44
